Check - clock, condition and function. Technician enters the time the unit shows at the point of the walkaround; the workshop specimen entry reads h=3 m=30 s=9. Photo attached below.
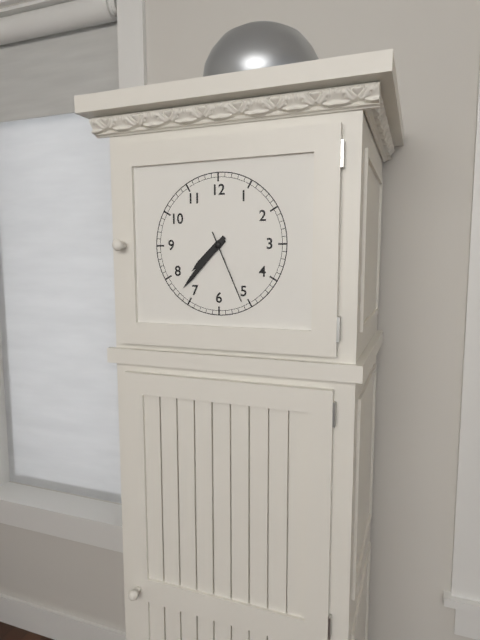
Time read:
h=7 m=37 s=26
